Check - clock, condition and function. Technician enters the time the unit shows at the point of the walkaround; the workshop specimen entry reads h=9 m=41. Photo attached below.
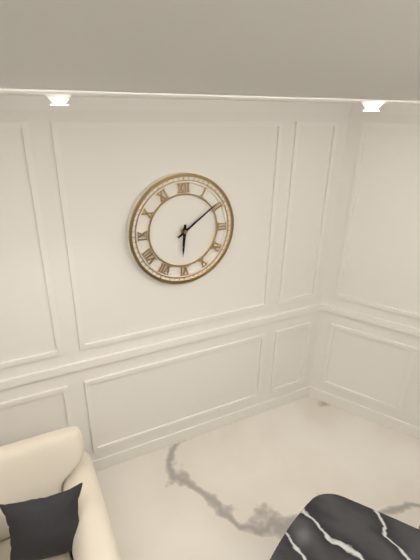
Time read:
h=6 m=9
